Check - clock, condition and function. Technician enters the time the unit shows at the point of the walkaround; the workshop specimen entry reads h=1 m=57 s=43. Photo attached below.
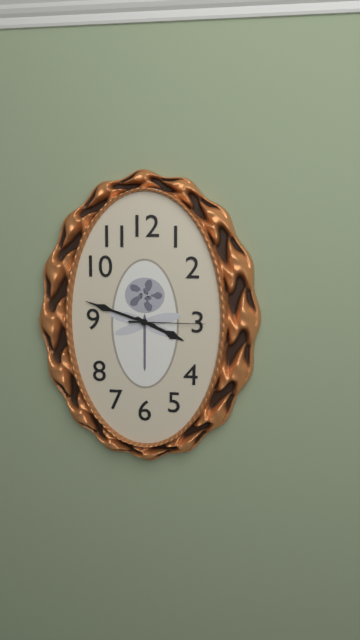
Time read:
h=3 m=48 s=15
